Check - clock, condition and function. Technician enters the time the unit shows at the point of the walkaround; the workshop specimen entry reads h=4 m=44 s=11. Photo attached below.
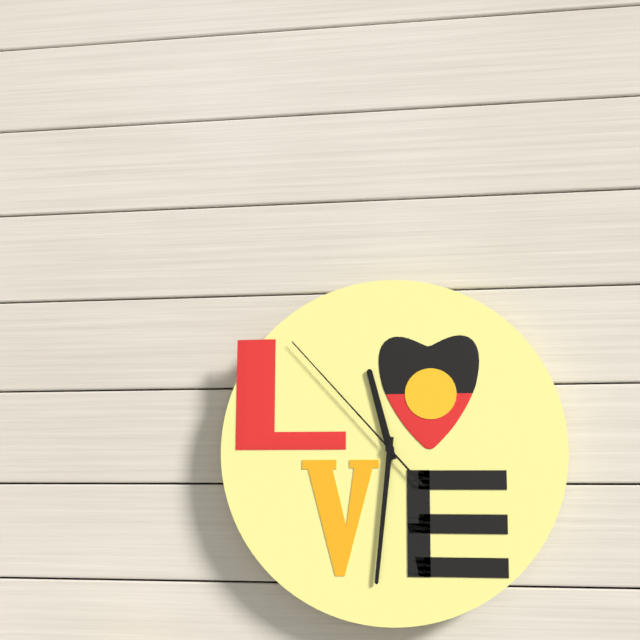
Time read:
h=11 m=31 s=53
